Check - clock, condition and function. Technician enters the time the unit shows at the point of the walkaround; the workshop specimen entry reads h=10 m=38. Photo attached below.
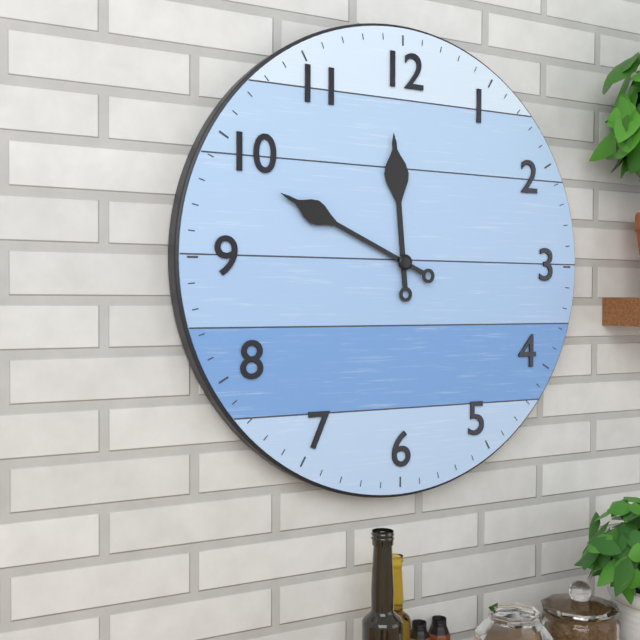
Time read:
h=11 m=49
